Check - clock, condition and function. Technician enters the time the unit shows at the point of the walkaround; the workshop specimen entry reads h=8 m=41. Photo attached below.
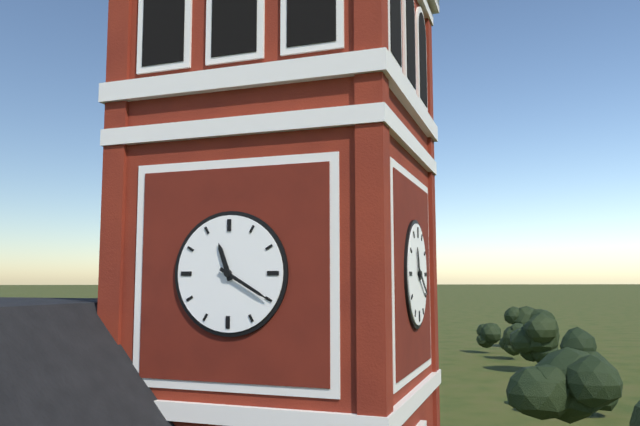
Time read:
h=11 m=20
